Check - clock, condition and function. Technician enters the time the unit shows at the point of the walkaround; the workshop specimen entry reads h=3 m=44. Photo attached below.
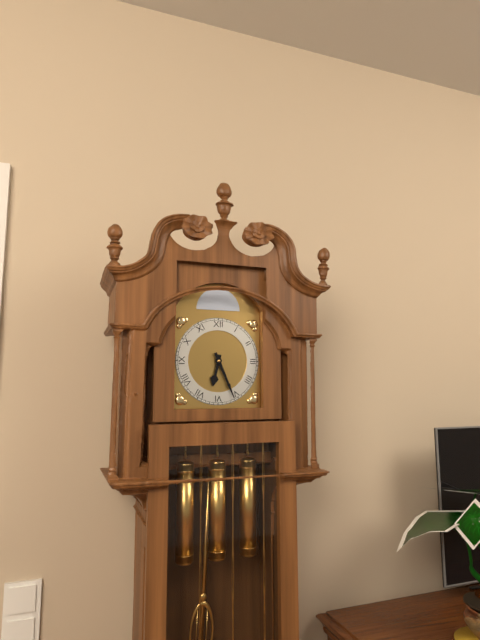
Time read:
h=6 m=26
